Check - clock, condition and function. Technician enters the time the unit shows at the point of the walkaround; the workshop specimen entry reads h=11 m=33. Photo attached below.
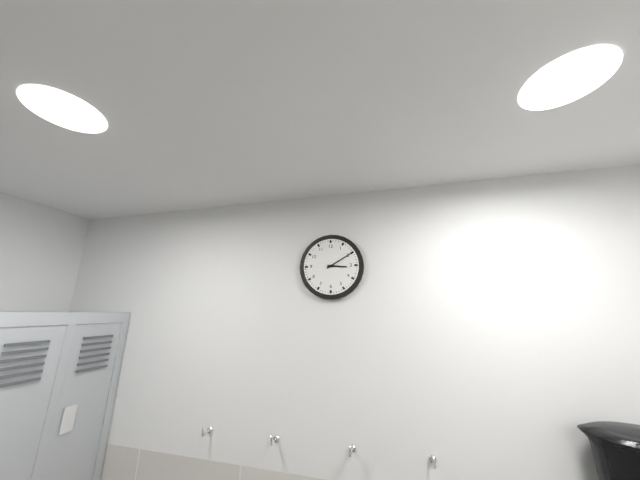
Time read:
h=3 m=10
